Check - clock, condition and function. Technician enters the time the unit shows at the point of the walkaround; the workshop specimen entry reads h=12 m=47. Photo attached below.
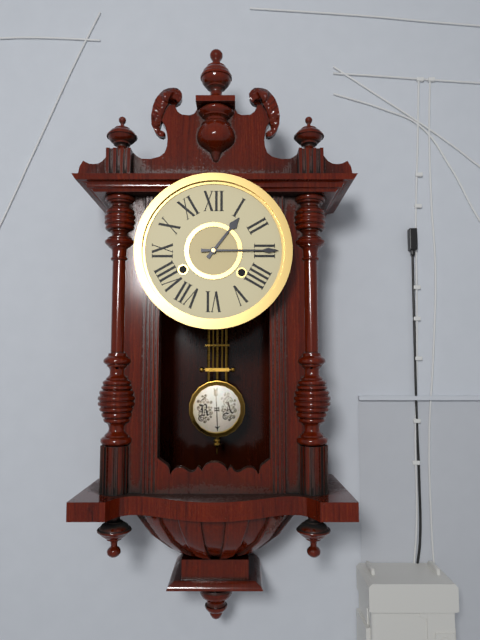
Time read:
h=1 m=15
